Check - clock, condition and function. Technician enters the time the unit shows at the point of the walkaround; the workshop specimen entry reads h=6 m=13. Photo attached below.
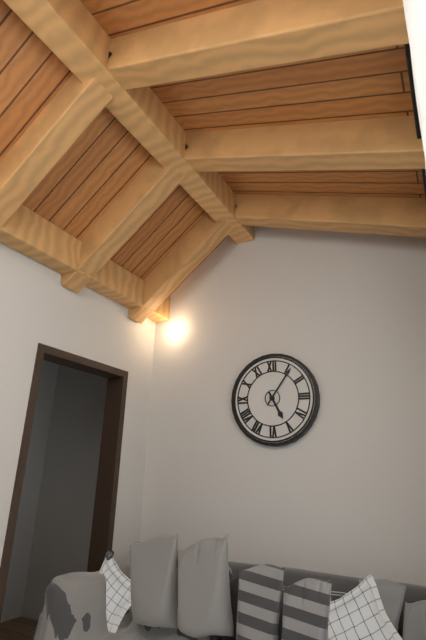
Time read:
h=5 m=6
